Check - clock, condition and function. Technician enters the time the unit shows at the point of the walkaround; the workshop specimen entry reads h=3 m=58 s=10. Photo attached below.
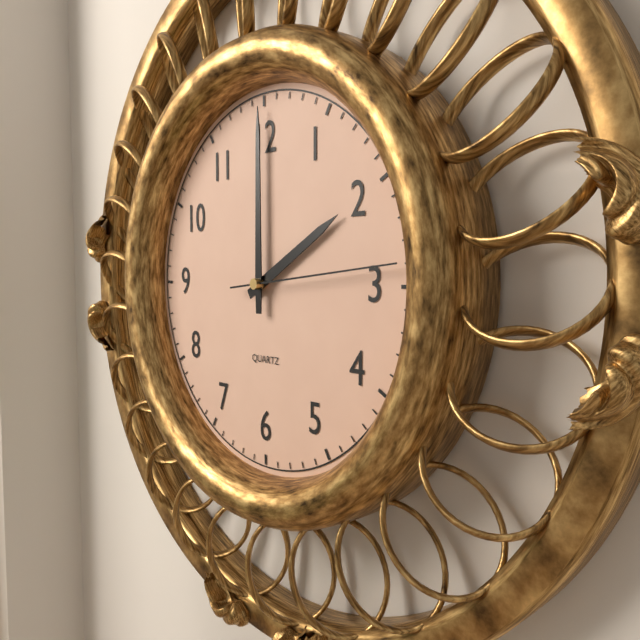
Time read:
h=2 m=0 s=14
